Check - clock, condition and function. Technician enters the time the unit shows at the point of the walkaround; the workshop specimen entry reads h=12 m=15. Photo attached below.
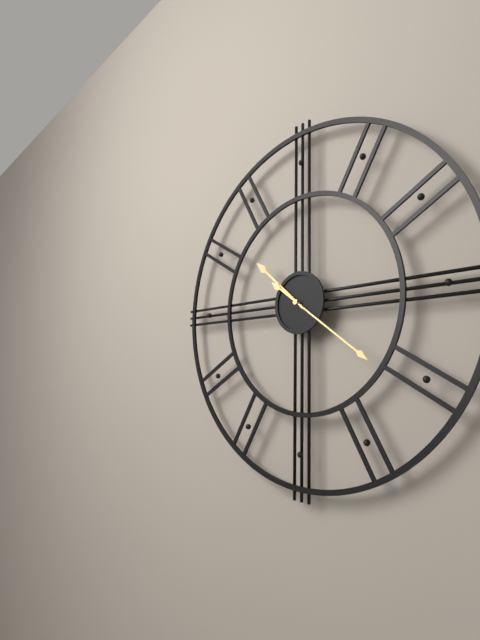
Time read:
h=10 m=21
